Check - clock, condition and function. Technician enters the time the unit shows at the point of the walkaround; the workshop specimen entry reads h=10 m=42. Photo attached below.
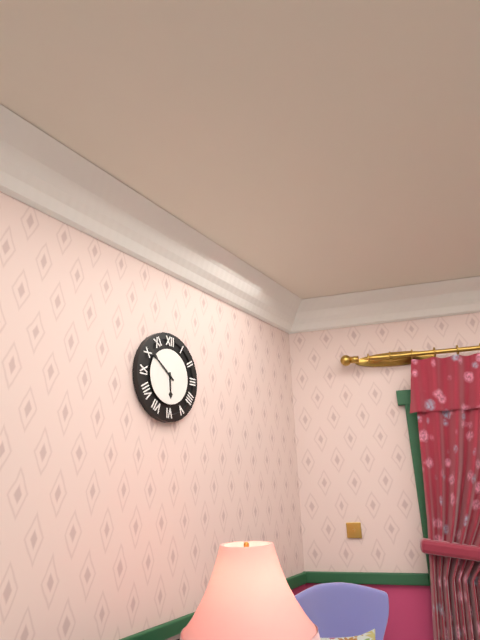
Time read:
h=5 m=51
